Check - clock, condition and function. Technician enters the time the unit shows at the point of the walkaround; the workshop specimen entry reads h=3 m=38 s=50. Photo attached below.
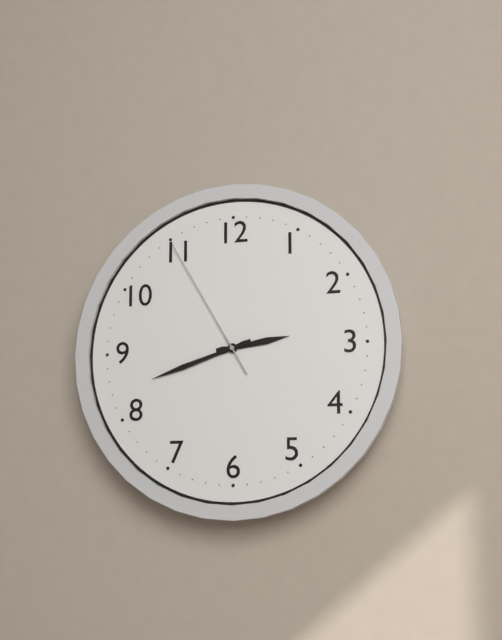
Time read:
h=2 m=42 s=55
